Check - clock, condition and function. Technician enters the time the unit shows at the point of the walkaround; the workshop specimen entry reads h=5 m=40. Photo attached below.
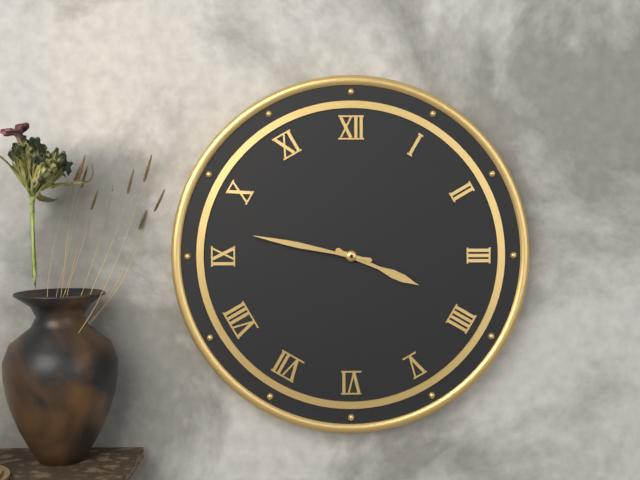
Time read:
h=3 m=47
